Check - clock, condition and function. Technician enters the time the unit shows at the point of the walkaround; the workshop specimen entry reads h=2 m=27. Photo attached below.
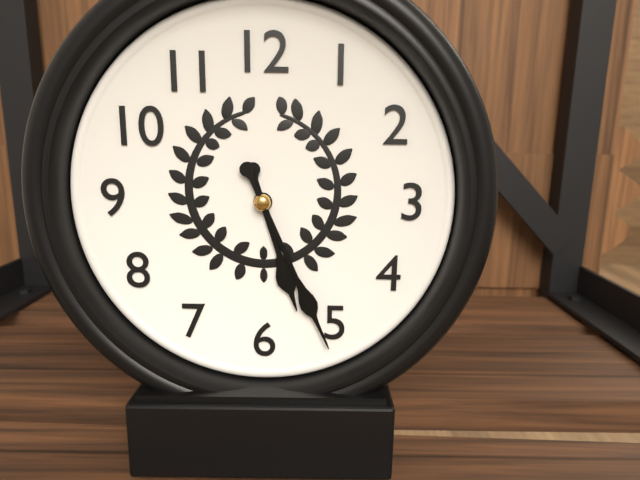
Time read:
h=5 m=26
